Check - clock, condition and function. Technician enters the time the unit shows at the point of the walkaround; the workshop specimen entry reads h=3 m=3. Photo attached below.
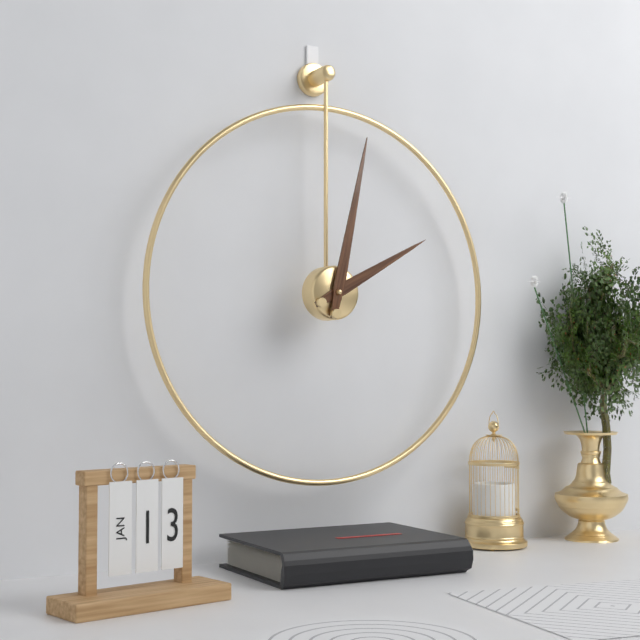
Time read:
h=2 m=2
